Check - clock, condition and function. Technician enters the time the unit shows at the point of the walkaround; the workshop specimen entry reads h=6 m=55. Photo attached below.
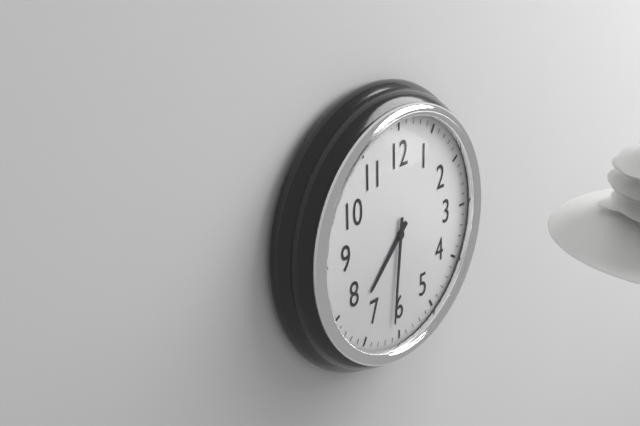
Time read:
h=7 m=31
